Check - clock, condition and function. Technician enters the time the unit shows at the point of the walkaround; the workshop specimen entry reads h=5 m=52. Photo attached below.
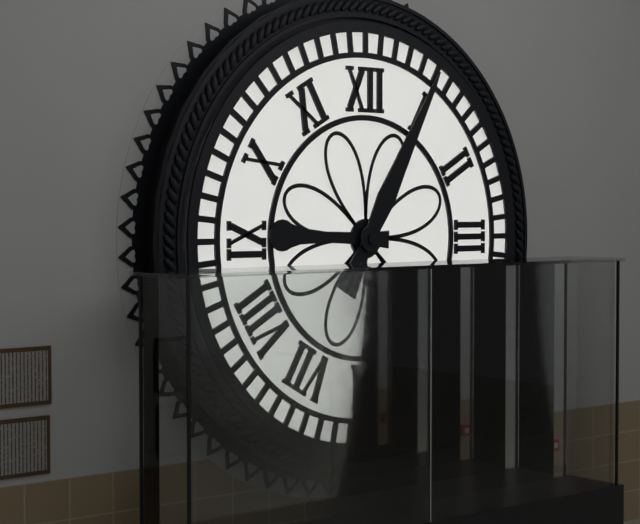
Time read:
h=9 m=5
